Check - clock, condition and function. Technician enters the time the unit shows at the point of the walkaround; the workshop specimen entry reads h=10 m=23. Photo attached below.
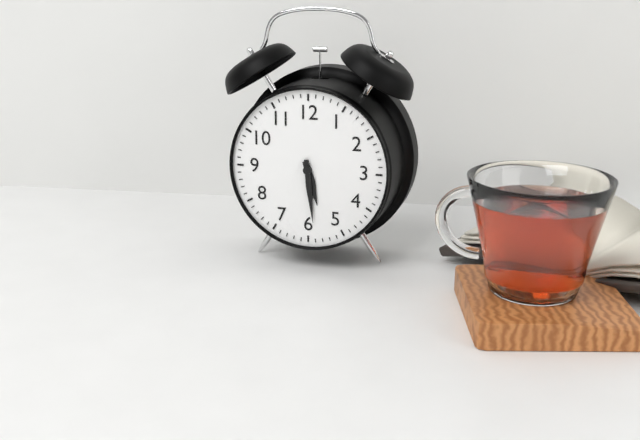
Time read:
h=5 m=29
